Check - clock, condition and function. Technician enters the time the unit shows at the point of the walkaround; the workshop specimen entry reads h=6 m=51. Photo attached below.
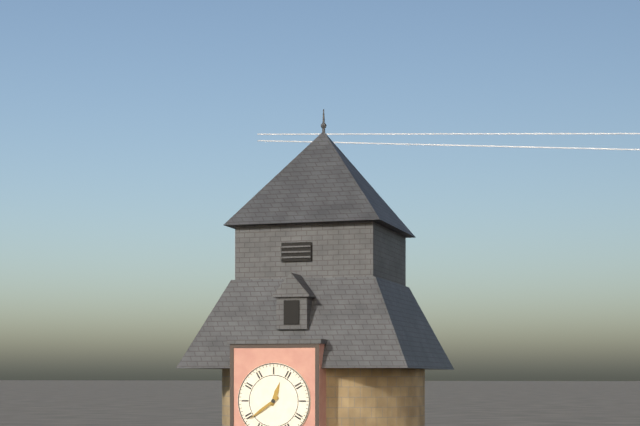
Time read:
h=12 m=39
